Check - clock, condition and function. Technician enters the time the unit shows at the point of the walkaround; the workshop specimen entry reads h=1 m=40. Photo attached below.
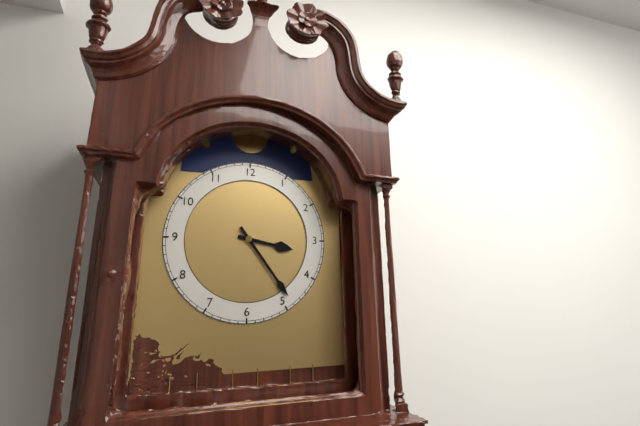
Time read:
h=3 m=24
